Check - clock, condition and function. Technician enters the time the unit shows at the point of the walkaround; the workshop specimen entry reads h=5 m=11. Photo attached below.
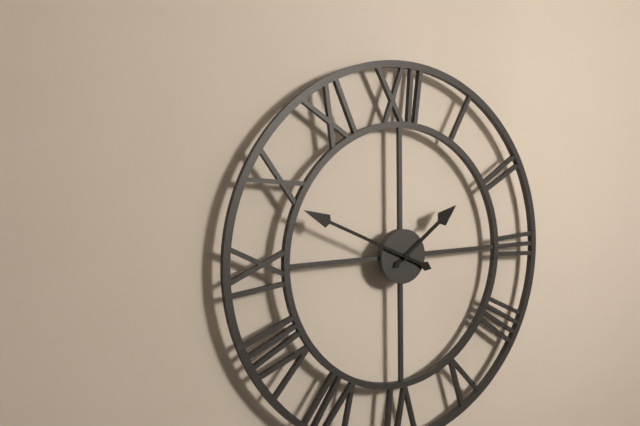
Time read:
h=1 m=49
